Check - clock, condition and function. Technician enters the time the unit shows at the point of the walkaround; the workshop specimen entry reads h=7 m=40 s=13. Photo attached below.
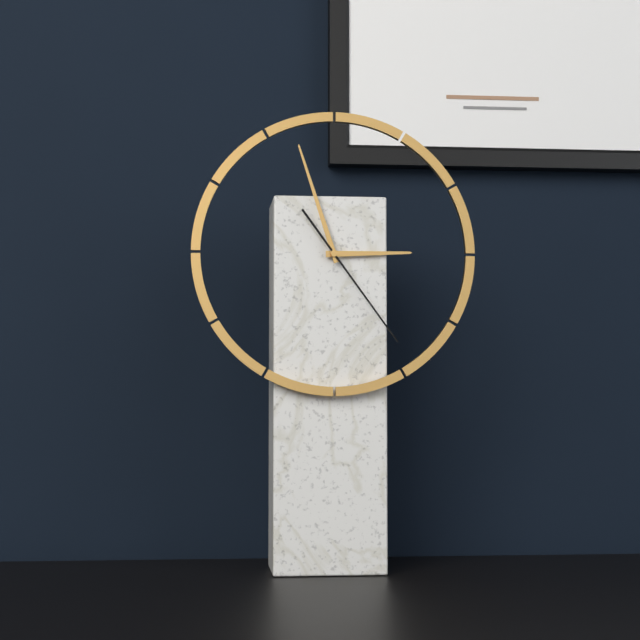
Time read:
h=2 m=57 s=24
